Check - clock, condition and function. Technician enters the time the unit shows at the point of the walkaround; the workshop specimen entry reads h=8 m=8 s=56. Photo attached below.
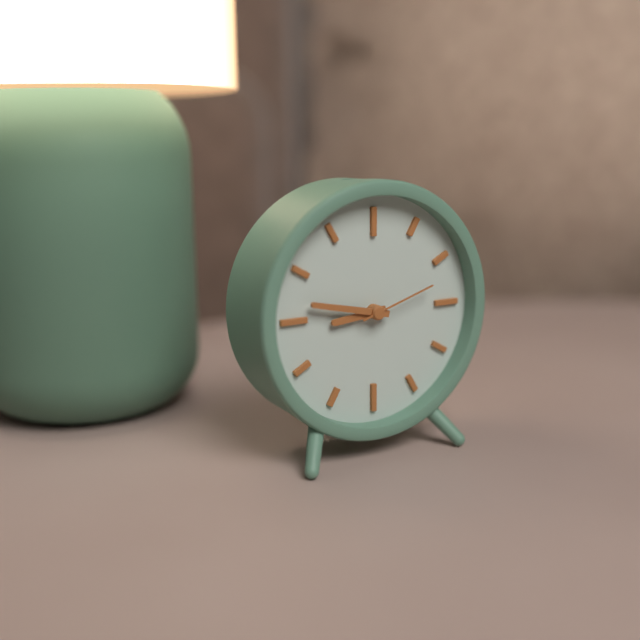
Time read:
h=8 m=47 s=12
